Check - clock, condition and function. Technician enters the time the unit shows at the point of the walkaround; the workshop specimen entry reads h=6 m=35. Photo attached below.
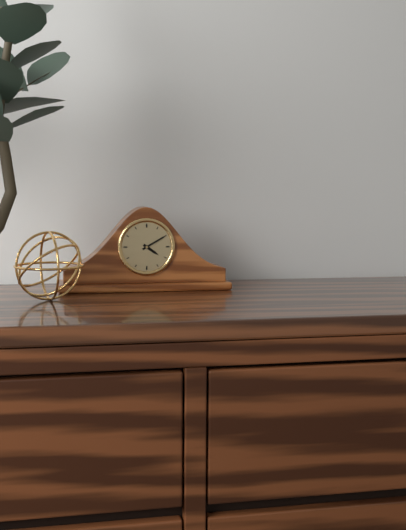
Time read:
h=4 m=10
